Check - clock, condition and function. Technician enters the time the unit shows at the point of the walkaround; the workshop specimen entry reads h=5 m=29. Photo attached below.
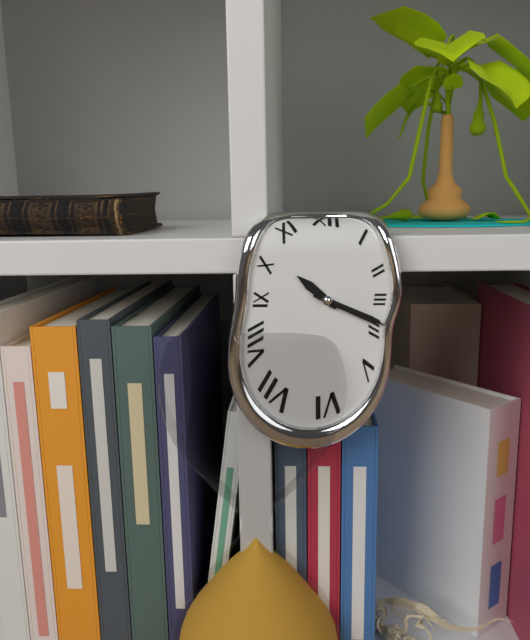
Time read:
h=10 m=19
